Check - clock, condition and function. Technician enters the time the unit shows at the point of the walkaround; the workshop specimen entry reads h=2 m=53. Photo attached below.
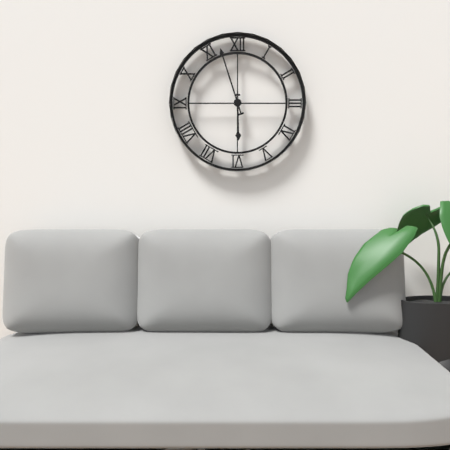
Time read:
h=5 m=57
